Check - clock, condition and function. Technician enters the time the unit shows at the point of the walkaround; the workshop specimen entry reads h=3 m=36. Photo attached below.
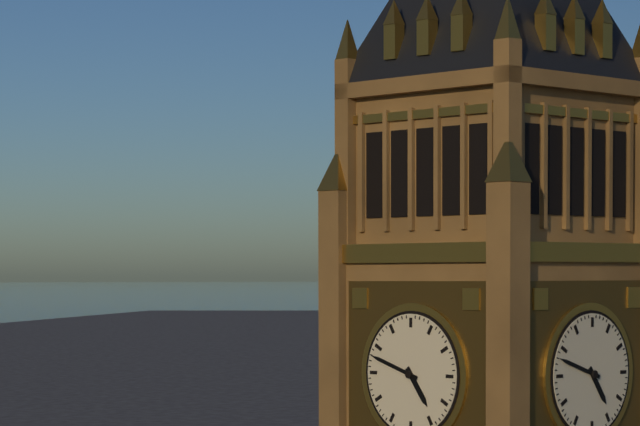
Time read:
h=4 m=48
